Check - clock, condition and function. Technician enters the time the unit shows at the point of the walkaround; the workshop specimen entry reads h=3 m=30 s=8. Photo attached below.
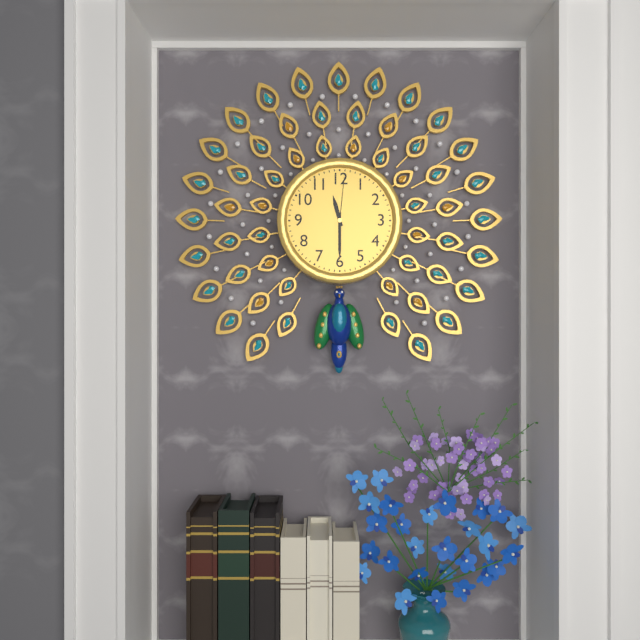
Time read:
h=11 m=30 s=1
